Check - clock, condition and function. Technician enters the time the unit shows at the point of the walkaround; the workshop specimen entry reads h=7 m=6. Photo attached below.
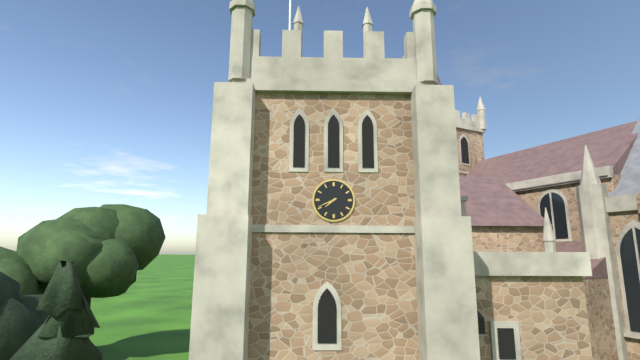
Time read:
h=7 m=41
